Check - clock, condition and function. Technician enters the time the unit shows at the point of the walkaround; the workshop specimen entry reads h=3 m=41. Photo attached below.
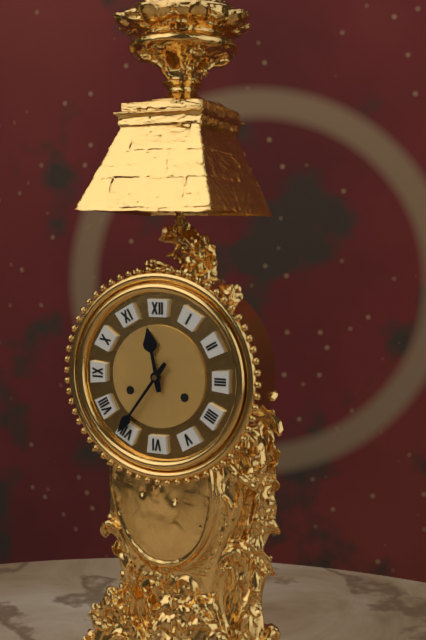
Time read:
h=11 m=36
